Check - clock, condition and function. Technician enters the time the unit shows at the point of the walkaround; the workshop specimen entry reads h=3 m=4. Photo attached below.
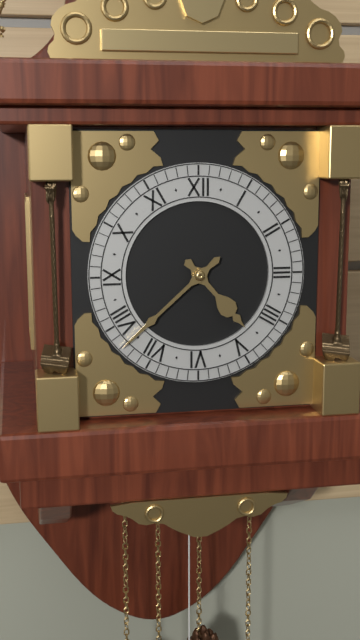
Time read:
h=4 m=38
